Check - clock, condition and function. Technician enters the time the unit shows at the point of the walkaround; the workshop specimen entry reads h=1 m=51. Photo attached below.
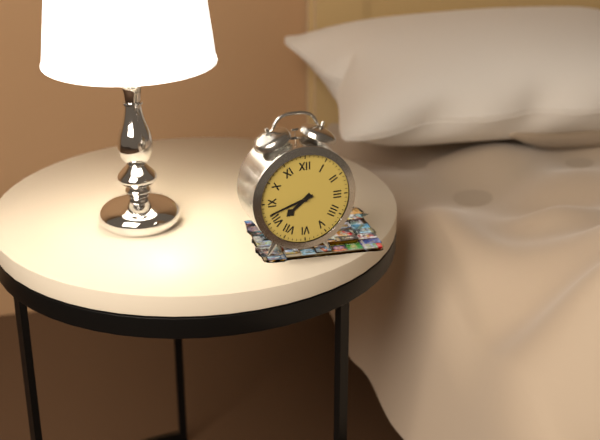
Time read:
h=7 m=42
